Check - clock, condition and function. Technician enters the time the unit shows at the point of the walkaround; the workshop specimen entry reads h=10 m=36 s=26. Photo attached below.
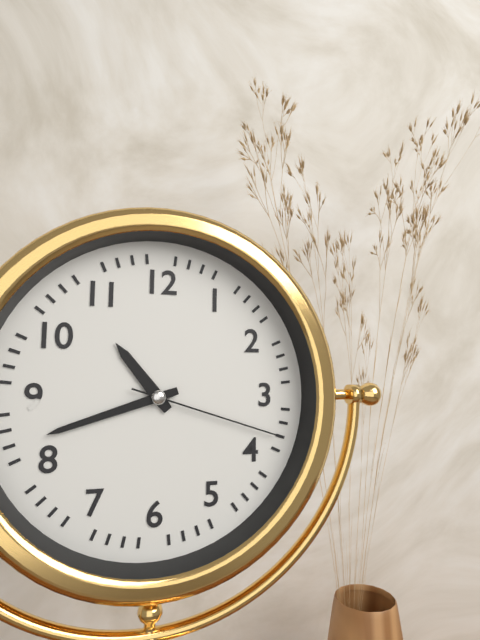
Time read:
h=10 m=42 s=18
